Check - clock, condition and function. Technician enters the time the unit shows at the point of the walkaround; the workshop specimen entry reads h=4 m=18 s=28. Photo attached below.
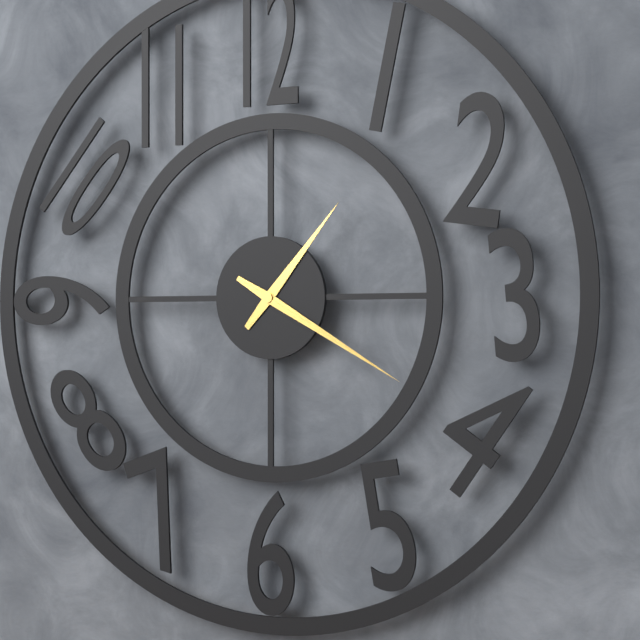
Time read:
h=1 m=20 s=20
